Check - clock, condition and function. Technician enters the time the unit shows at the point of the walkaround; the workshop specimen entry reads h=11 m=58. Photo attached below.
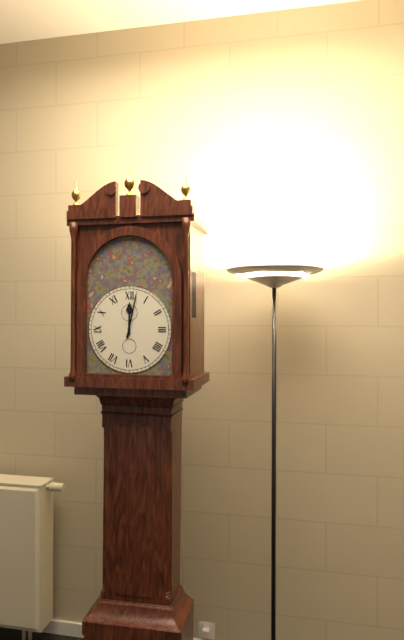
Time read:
h=12 m=2
